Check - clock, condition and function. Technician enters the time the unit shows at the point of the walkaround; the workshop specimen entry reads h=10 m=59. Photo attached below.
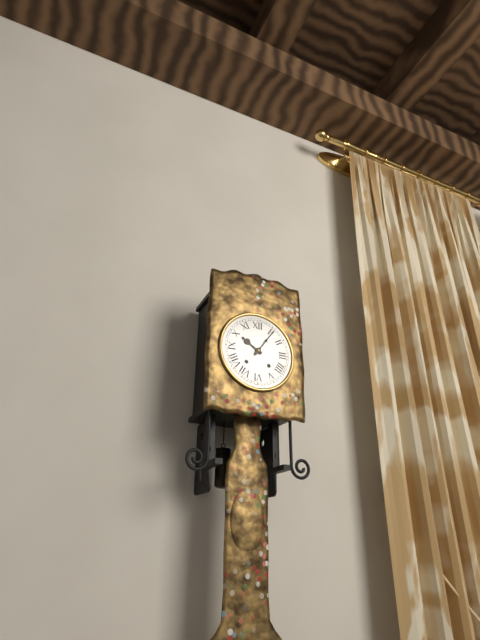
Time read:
h=10 m=6
